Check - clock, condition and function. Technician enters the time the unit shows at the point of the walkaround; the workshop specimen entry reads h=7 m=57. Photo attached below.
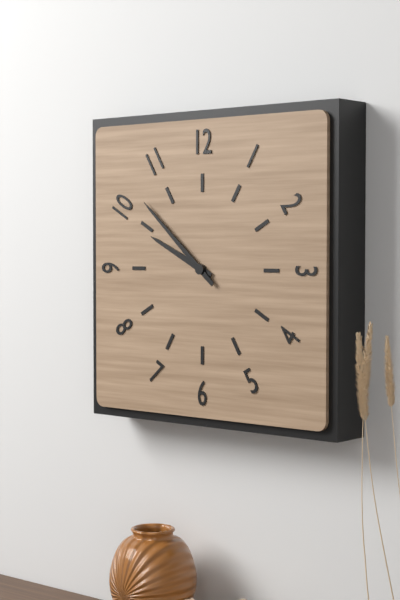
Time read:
h=9 m=52
